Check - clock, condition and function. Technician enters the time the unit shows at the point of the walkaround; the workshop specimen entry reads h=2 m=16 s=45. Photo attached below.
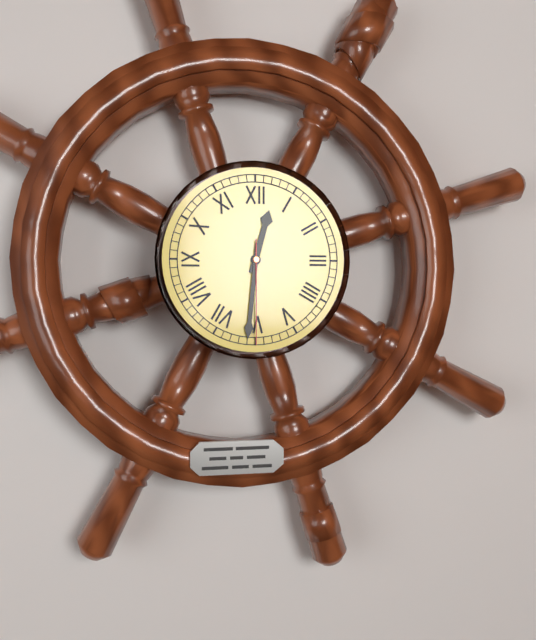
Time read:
h=12 m=31 s=30
